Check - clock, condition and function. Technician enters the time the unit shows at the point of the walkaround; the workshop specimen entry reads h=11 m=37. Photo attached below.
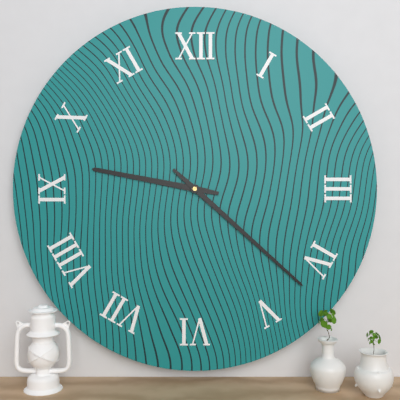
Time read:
h=9 m=22
